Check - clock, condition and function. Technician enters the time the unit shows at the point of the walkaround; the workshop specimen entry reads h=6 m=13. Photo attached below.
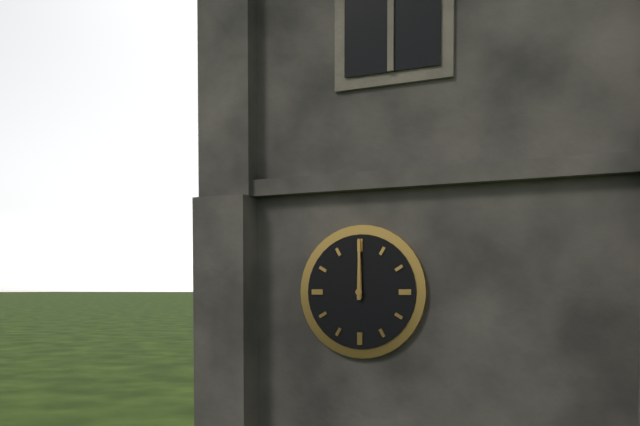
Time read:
h=12 m=0
